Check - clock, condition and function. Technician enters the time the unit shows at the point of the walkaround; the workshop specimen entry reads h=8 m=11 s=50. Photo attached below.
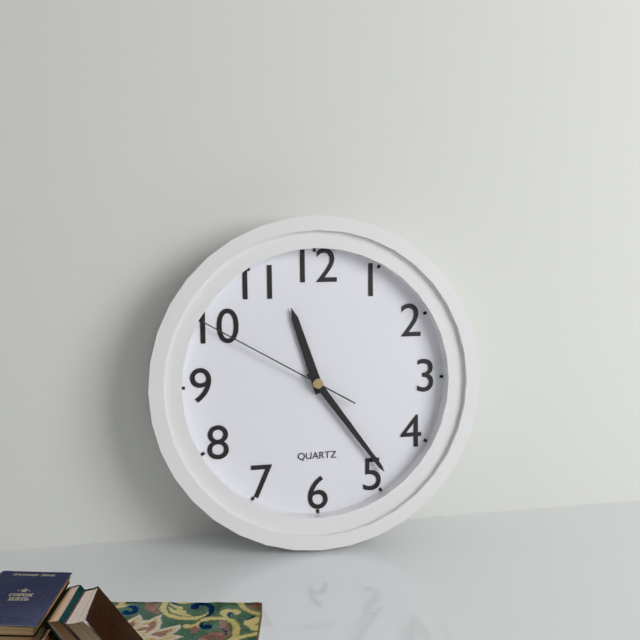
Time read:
h=11 m=24 s=50
